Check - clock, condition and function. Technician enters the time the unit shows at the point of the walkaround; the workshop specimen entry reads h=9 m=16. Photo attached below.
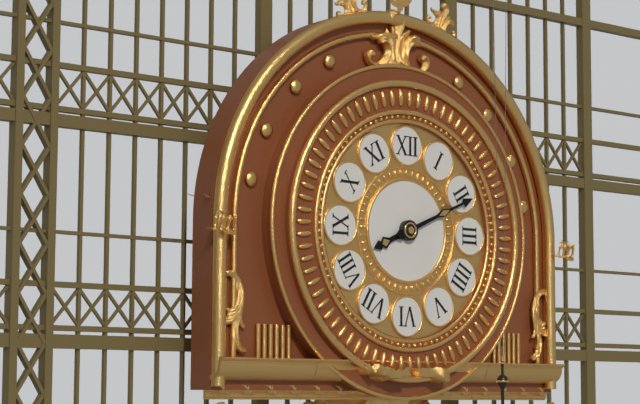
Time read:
h=8 m=11
